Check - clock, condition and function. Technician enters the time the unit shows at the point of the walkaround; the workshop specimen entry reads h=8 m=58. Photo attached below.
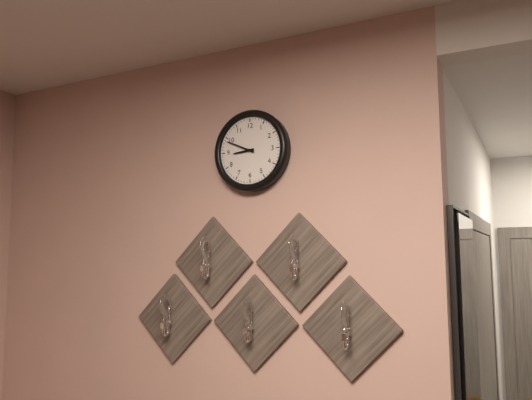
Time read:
h=8 m=49
